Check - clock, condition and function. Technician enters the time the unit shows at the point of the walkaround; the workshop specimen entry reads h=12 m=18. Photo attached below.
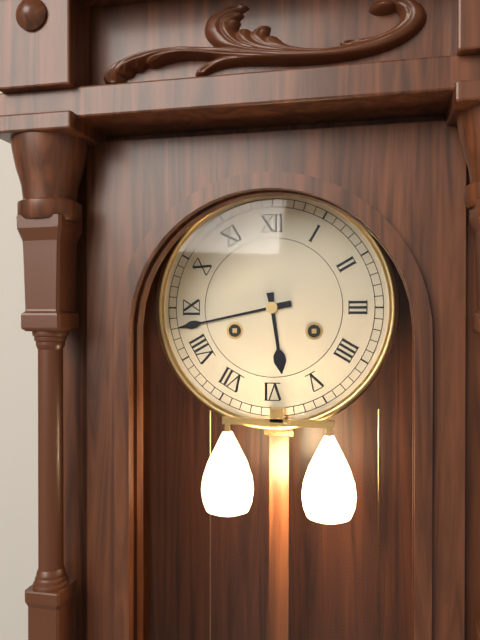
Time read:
h=5 m=43
